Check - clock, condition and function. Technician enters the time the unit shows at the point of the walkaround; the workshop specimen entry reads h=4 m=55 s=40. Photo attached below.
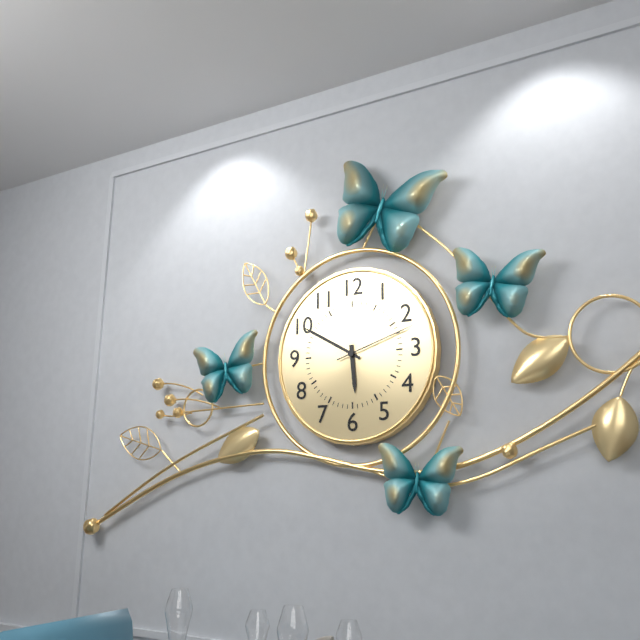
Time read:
h=5 m=50 s=12
